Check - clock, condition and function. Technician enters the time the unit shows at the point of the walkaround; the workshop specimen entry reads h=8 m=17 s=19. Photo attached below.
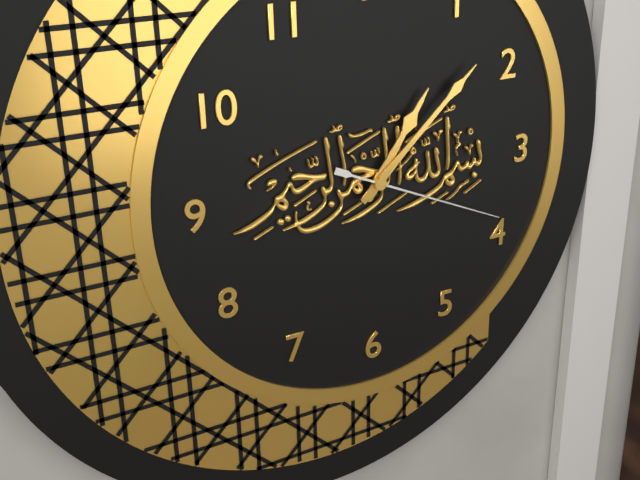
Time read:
h=1 m=8 s=19
